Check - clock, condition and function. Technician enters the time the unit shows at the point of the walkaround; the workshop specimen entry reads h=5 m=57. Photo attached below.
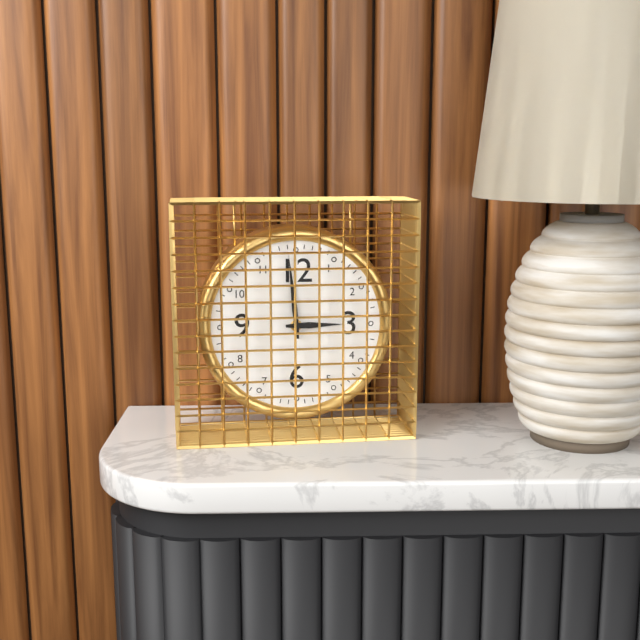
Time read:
h=2 m=59
